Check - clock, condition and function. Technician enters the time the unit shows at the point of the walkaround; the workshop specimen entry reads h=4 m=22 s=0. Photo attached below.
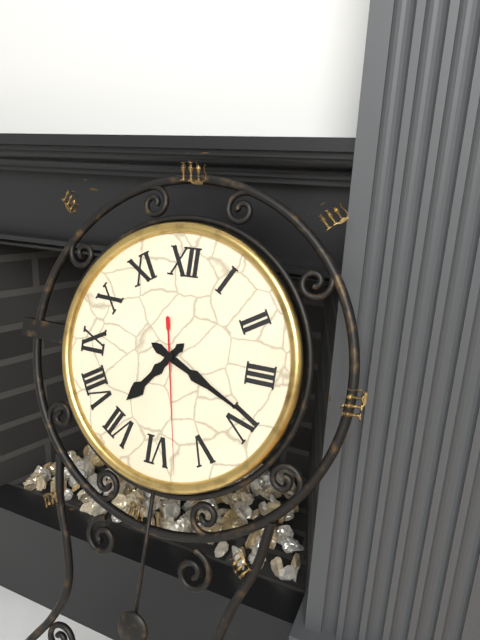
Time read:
h=7 m=19 s=28
